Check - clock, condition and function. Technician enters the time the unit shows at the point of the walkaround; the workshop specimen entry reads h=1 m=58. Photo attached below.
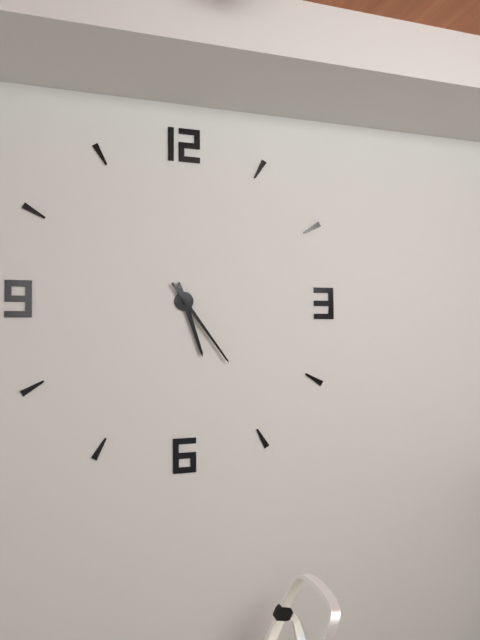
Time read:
h=5 m=24
